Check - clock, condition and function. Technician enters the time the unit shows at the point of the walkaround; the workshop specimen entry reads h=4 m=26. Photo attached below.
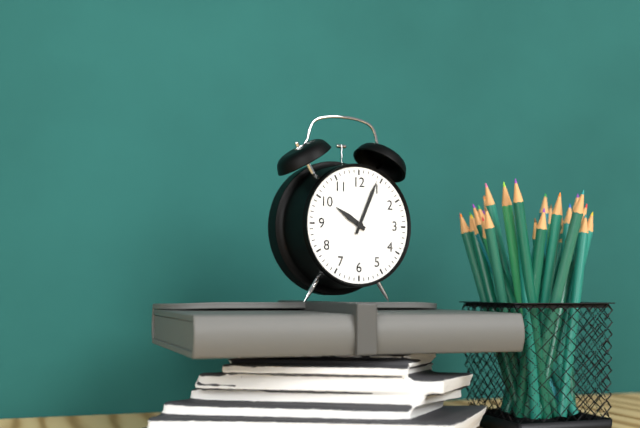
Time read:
h=10 m=4
